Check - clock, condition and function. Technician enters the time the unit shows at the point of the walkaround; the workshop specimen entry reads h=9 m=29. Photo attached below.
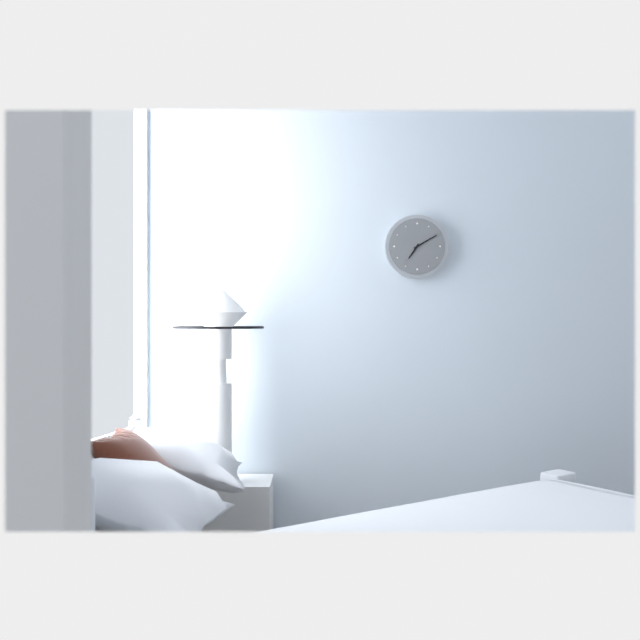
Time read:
h=7 m=10
